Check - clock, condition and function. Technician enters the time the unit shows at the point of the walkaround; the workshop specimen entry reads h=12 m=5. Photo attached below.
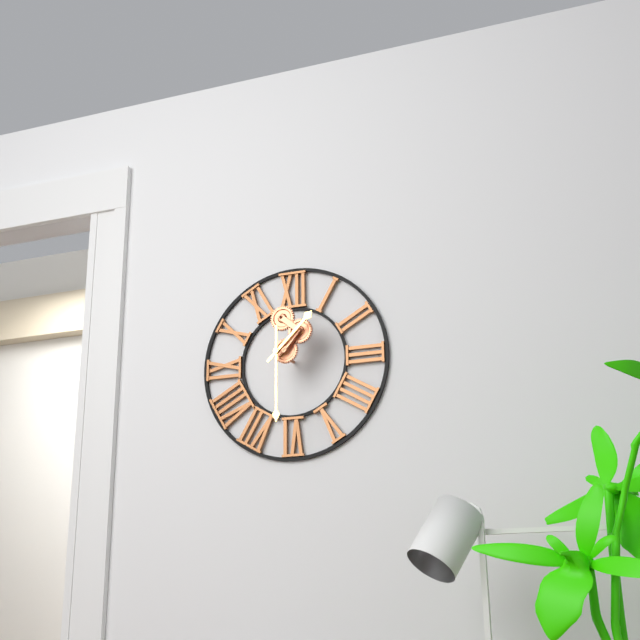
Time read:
h=1 m=30
